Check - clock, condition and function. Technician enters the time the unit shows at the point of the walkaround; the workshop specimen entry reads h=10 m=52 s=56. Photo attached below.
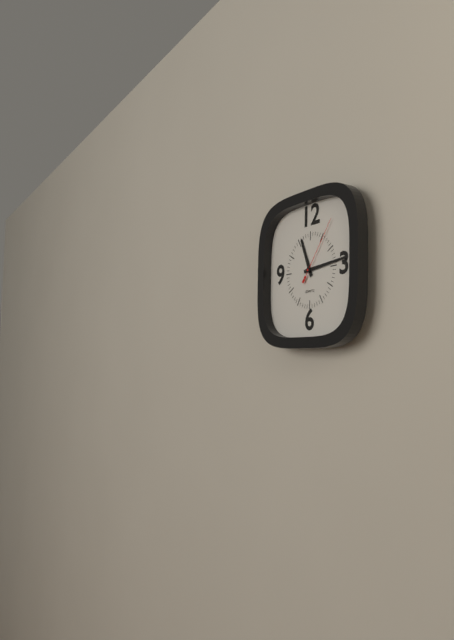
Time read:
h=11 m=14 s=6
